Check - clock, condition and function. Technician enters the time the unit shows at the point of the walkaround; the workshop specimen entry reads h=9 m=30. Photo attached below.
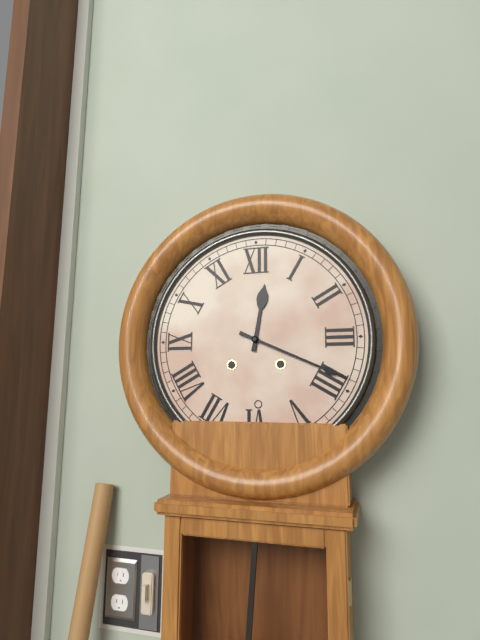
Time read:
h=12 m=19
